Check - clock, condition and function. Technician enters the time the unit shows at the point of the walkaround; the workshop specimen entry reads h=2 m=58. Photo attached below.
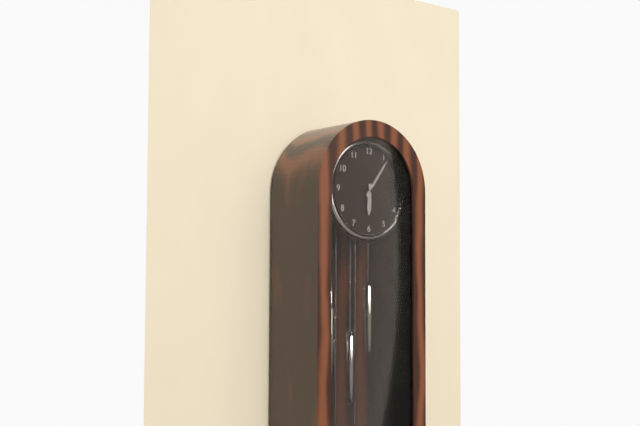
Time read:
h=6 m=6
